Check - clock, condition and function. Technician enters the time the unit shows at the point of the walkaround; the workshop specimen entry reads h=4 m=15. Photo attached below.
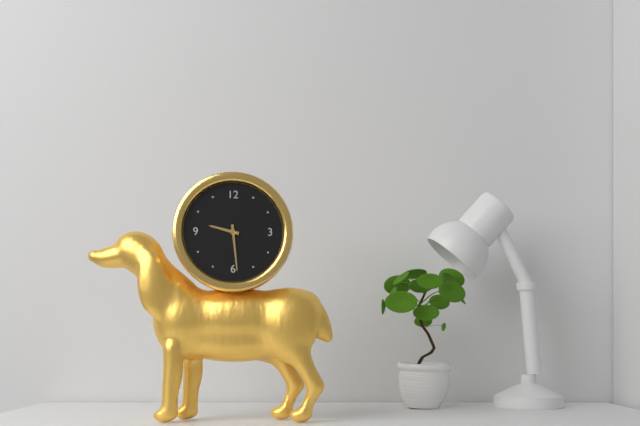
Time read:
h=9 m=29
